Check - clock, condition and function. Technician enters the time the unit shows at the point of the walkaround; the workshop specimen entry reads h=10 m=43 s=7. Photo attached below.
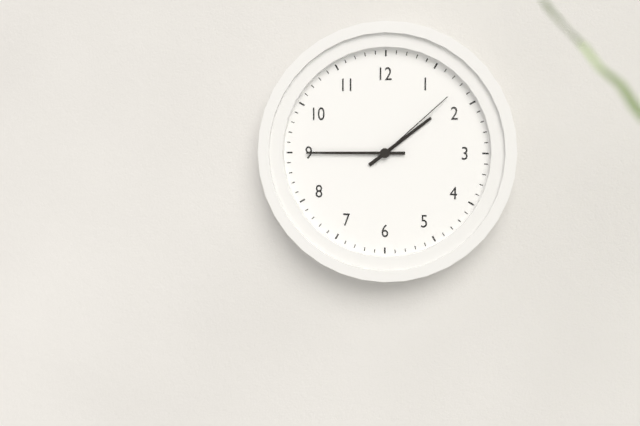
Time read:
h=1 m=45 s=8
